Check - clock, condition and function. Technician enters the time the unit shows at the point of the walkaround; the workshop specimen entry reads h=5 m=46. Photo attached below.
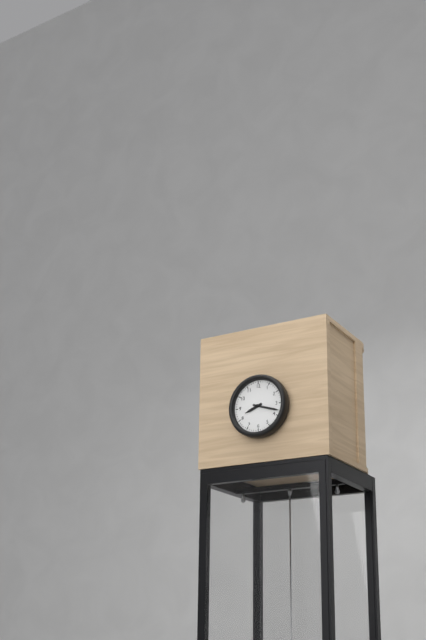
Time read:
h=8 m=18
